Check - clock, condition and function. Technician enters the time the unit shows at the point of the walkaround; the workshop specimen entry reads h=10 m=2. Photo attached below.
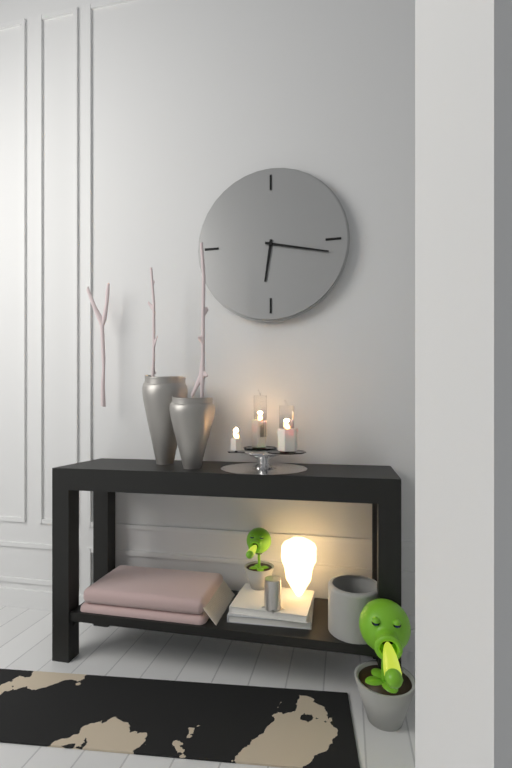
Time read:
h=6 m=17
